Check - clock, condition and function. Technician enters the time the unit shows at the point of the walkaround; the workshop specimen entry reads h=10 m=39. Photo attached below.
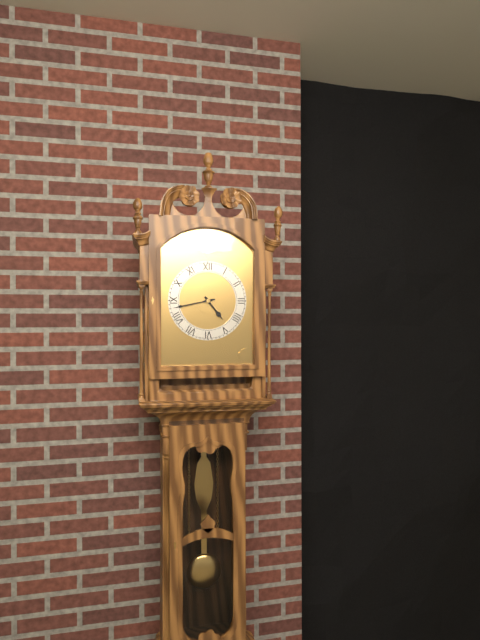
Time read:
h=4 m=43
